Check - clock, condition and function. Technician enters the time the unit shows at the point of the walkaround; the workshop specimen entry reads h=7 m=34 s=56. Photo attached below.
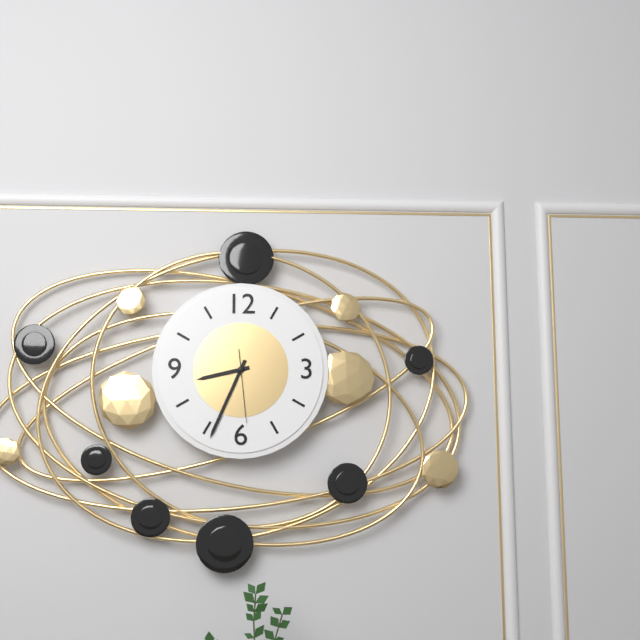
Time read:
h=8 m=34 s=29
